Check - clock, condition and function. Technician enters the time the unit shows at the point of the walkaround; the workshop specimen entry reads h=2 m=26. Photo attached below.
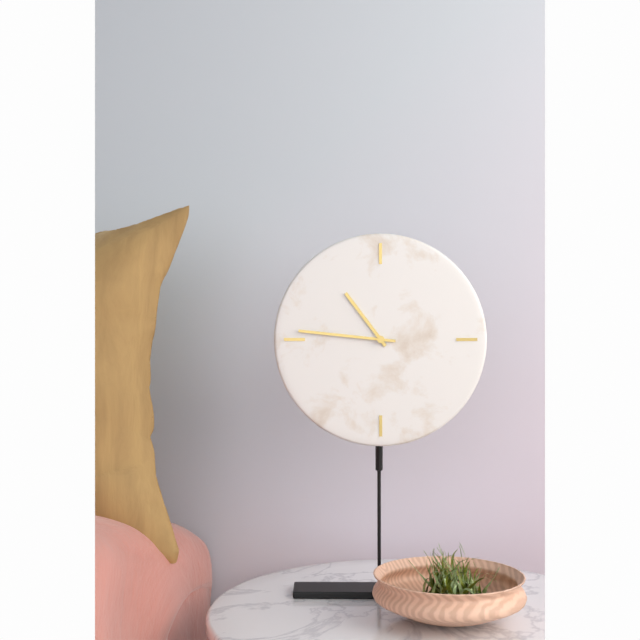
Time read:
h=10 m=46
